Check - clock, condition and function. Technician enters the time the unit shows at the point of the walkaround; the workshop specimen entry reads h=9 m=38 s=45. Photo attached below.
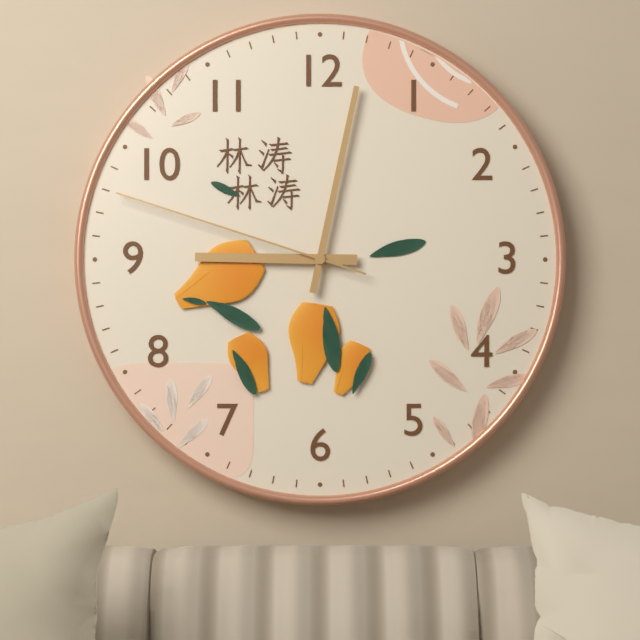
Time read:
h=9 m=2 s=48
